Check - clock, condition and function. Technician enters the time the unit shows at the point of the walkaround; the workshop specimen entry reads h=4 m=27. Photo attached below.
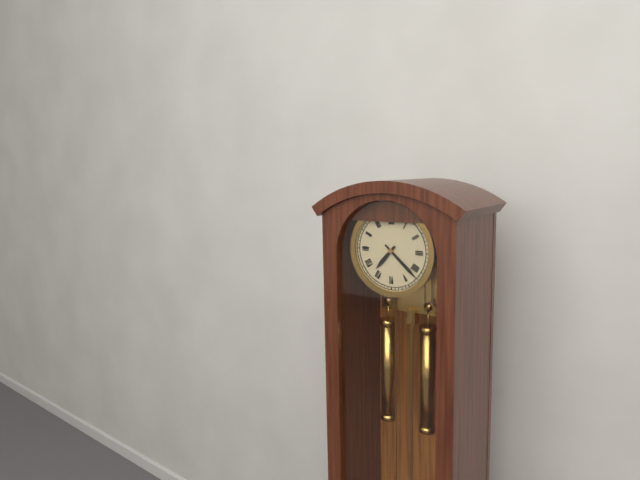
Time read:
h=7 m=22
